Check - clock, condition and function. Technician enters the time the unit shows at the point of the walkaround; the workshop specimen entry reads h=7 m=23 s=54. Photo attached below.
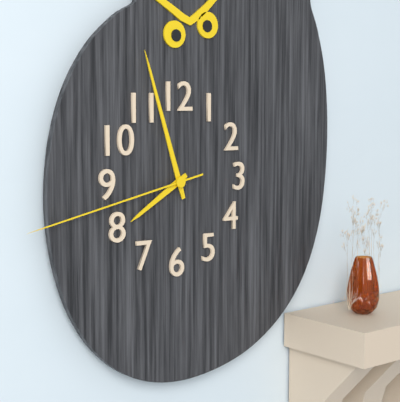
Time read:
h=7 m=57 s=43
